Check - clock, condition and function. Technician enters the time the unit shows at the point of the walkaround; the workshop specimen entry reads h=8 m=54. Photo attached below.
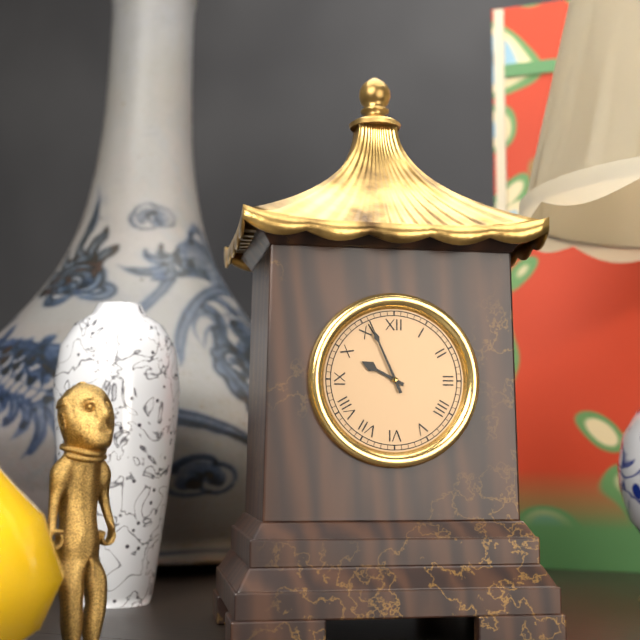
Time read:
h=9 m=56
